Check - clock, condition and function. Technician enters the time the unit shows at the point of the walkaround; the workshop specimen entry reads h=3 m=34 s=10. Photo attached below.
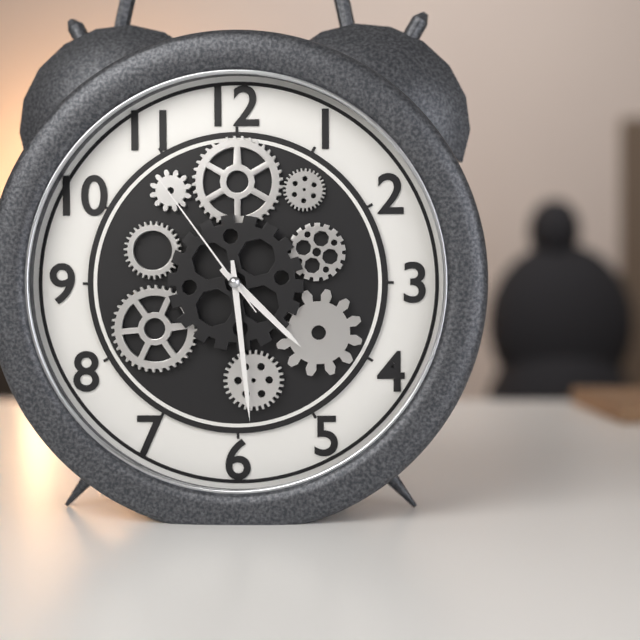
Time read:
h=4 m=29 s=54
